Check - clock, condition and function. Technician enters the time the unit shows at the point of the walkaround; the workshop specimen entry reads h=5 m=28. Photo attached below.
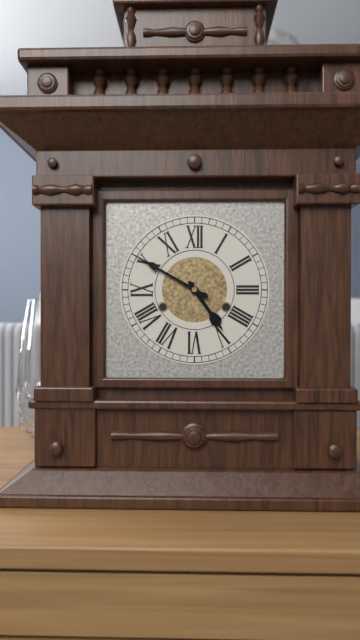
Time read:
h=4 m=50
